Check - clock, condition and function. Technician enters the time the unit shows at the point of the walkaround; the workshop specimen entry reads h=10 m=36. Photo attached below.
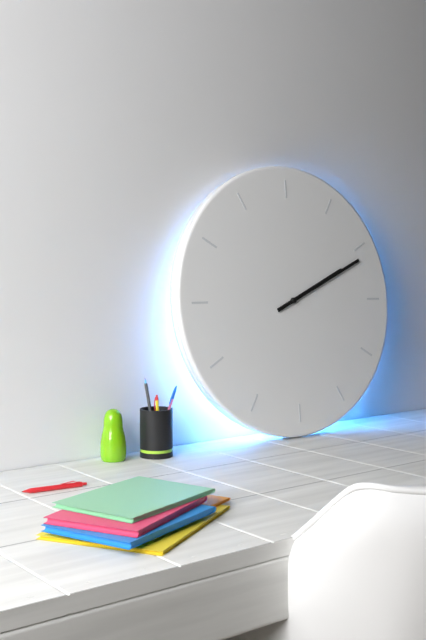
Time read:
h=2 m=11
